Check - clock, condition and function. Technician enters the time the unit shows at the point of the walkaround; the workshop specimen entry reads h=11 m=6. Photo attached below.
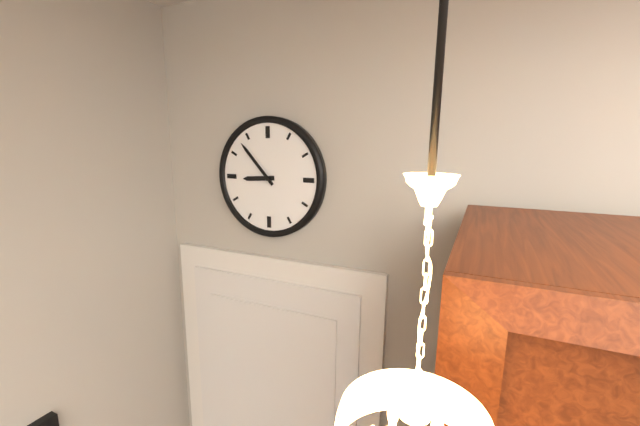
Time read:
h=8 m=53
